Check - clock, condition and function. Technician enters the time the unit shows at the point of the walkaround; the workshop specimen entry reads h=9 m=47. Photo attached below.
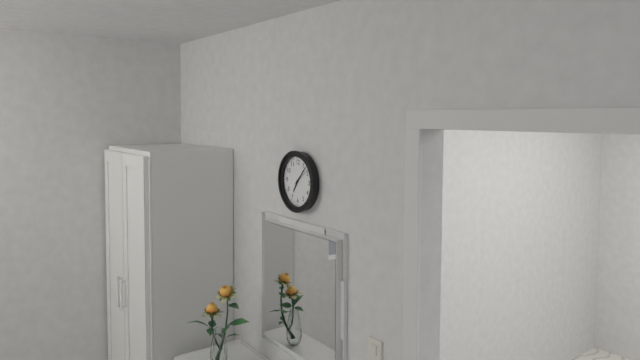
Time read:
h=7 m=7
